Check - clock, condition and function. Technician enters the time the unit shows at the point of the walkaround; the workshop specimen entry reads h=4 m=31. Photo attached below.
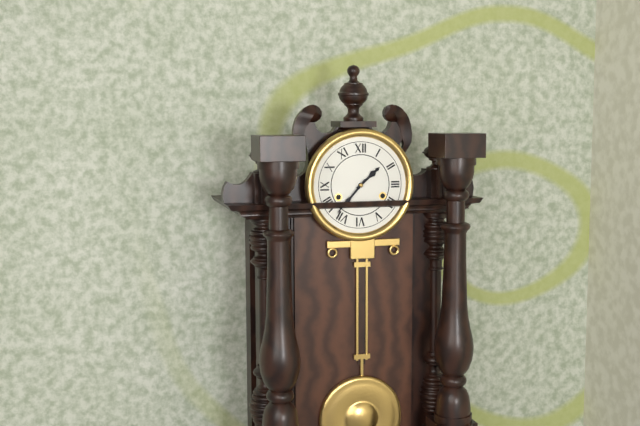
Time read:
h=1 m=37
